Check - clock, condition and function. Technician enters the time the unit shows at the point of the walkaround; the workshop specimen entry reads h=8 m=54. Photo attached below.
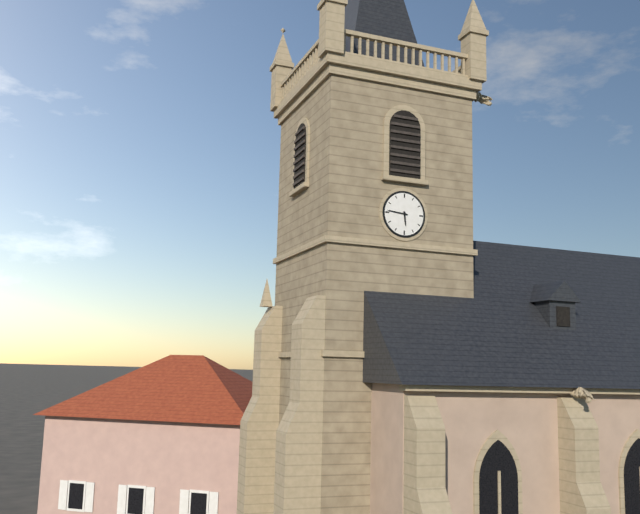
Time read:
h=5 m=46
